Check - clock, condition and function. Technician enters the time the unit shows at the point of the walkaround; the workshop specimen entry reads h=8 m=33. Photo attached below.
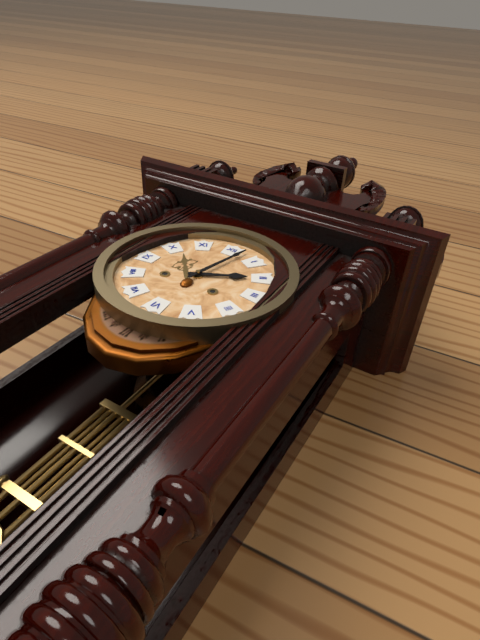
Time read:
h=2 m=2
